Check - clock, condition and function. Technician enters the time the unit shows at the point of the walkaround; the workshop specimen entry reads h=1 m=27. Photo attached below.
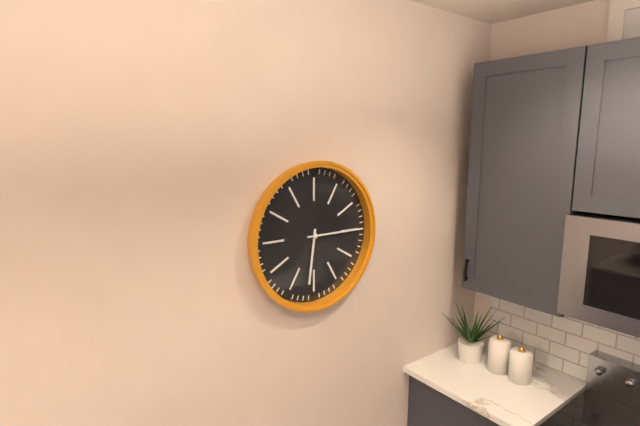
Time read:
h=6 m=15
